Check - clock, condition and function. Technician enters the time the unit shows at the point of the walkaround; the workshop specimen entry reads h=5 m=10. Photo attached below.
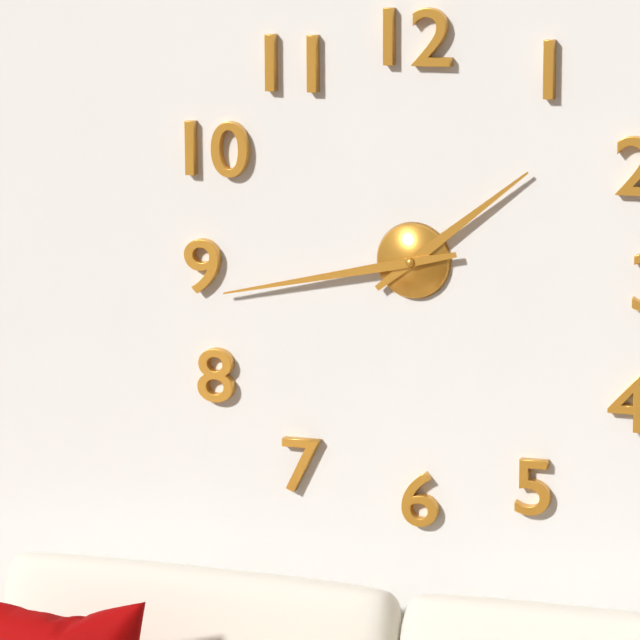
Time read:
h=1 m=43
